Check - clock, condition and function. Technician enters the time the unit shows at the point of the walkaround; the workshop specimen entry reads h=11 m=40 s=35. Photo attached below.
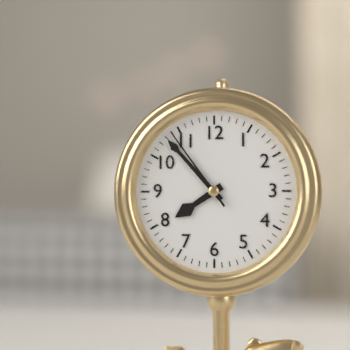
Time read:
h=7 m=53 s=54
